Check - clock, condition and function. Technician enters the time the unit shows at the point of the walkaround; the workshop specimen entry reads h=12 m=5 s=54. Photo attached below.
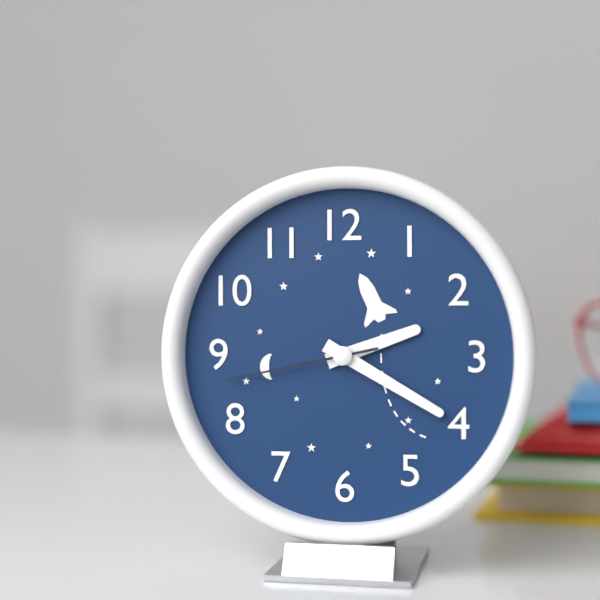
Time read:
h=2 m=20 s=43
